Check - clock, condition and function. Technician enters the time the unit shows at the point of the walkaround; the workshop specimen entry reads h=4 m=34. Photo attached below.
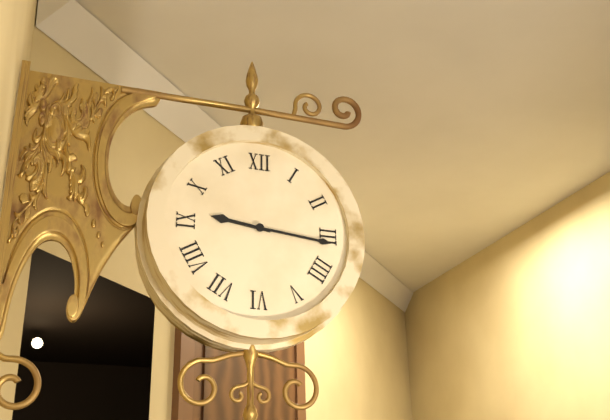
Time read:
h=9 m=16
